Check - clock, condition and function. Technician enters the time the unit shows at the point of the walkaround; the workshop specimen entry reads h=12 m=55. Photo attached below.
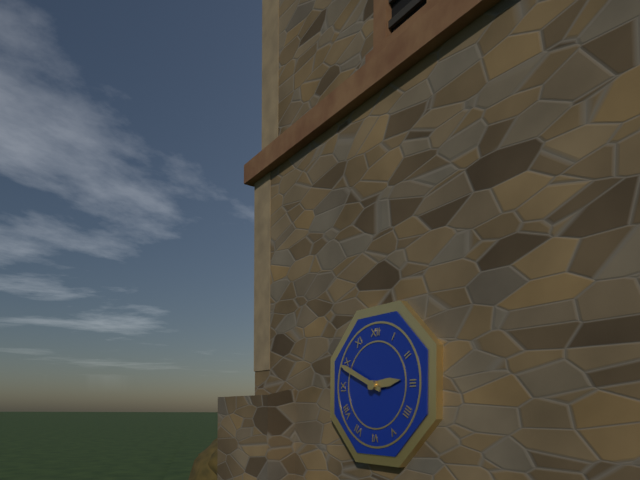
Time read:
h=2 m=49
